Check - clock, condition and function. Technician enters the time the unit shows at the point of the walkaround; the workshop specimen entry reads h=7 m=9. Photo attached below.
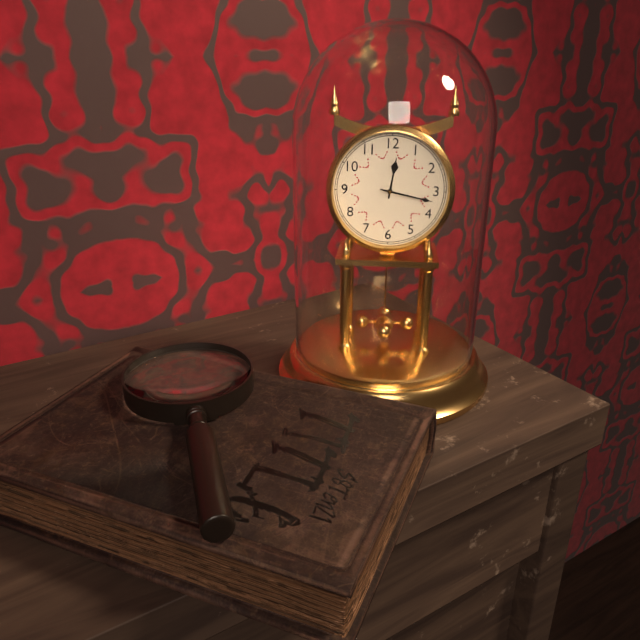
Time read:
h=12 m=17
